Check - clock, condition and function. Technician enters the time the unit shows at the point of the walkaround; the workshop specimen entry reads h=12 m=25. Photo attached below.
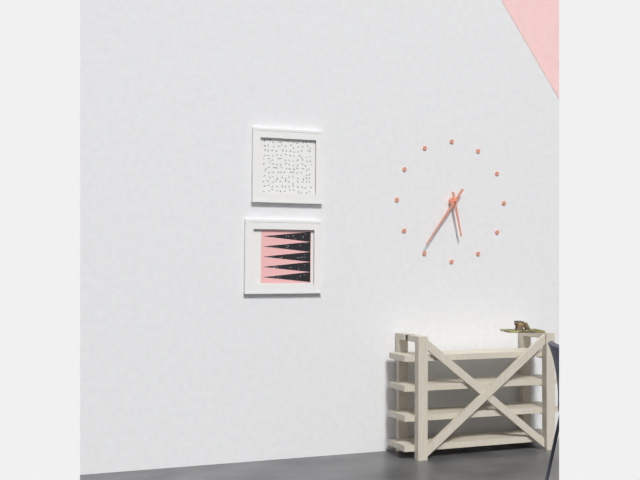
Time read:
h=5 m=36
